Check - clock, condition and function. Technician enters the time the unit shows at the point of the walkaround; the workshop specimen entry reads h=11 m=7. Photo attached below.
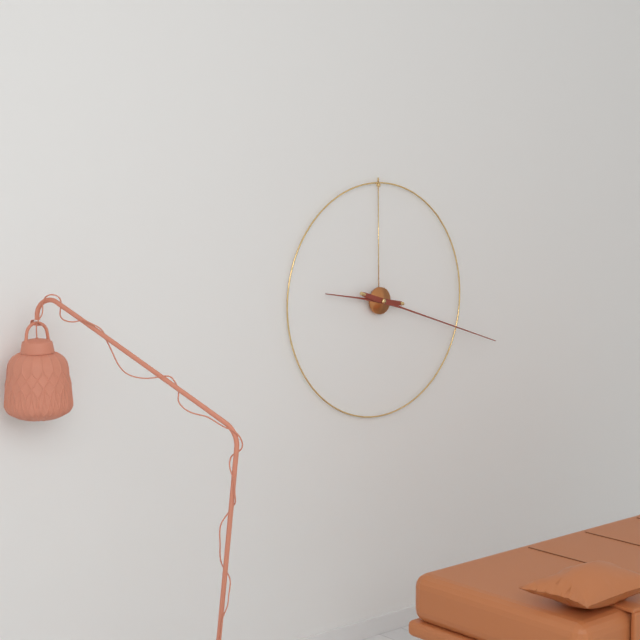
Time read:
h=9 m=18
